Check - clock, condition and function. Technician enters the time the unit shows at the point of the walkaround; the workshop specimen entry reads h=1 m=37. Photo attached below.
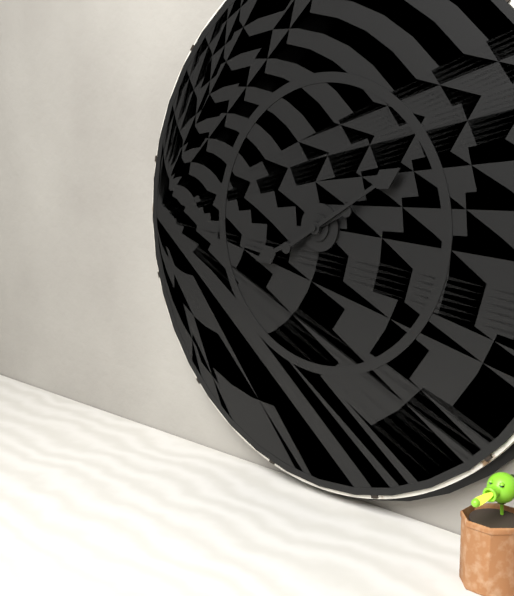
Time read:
h=8 m=10
